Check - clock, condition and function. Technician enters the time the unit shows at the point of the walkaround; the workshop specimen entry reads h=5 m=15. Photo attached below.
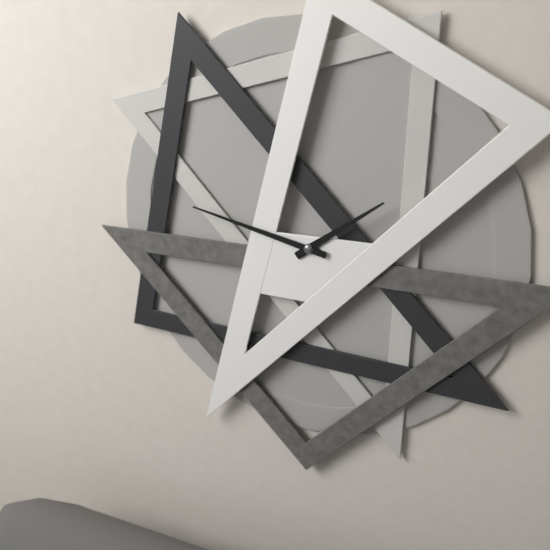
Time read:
h=1 m=47
